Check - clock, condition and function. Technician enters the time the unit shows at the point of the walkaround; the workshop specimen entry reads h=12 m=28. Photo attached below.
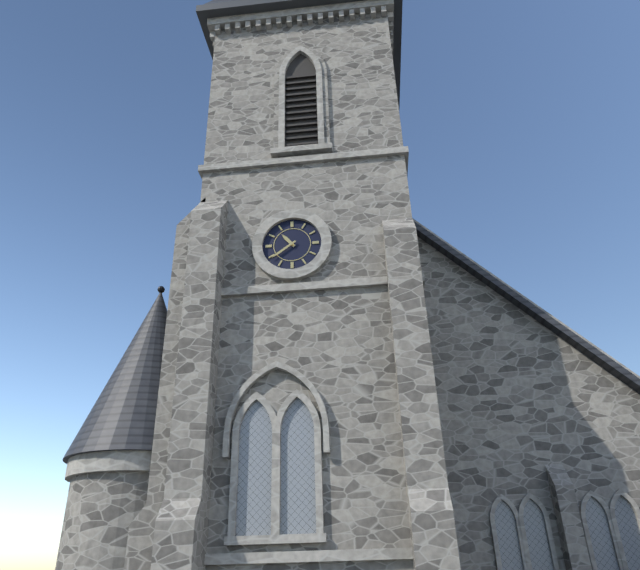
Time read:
h=10 m=39
